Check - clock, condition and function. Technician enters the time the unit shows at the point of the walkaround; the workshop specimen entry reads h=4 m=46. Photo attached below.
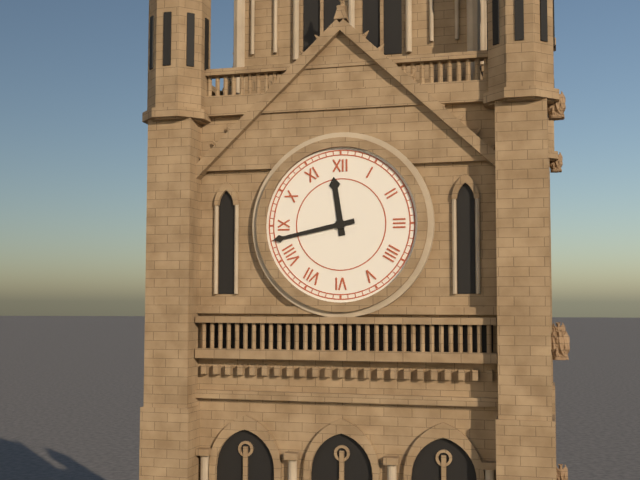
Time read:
h=11 m=43
